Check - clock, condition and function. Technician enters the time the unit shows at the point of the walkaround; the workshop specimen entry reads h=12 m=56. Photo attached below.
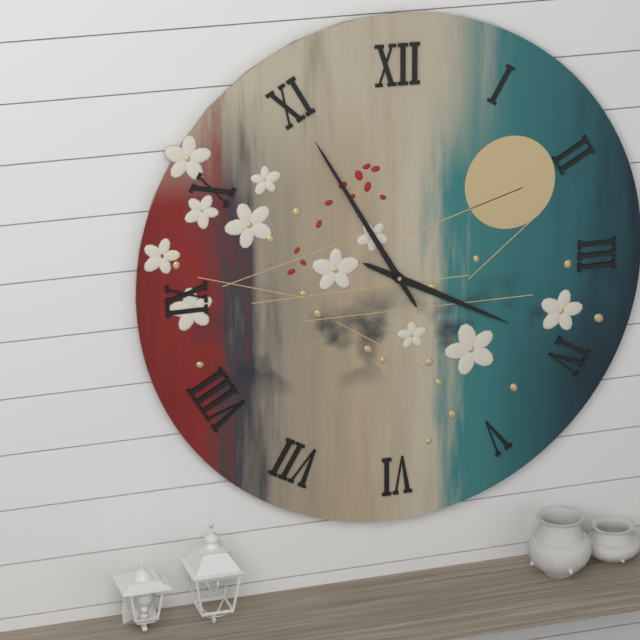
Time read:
h=3 m=55
